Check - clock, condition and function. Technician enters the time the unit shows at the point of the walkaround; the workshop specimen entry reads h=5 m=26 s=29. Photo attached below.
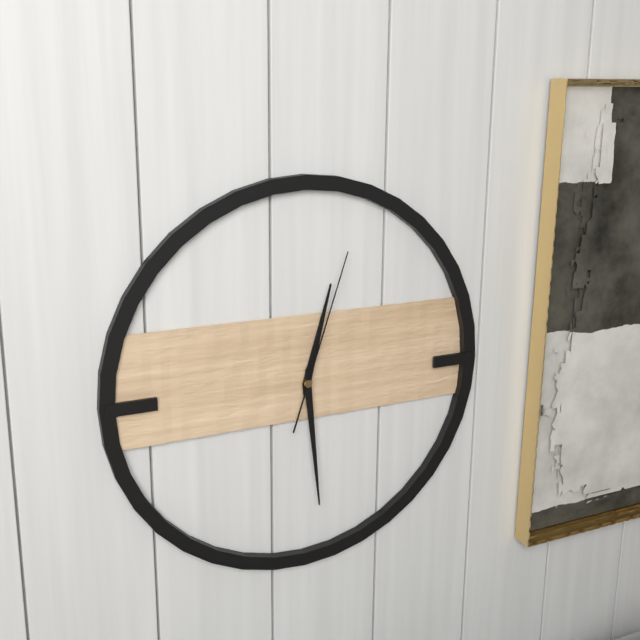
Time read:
h=12 m=29 s=3
